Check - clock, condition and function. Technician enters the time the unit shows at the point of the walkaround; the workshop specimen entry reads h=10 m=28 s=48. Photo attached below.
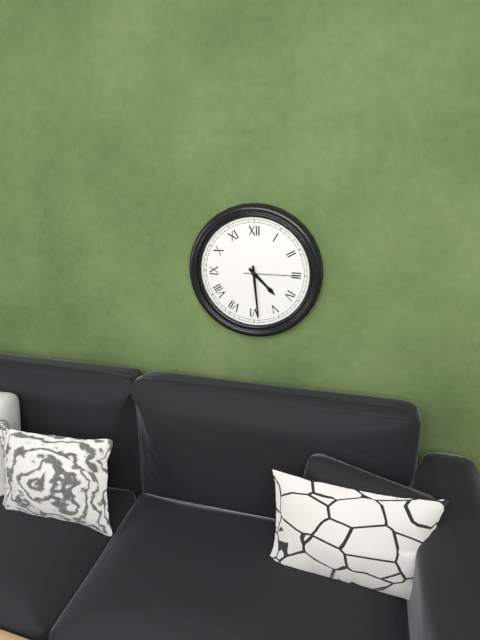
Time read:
h=4 m=29 s=15
